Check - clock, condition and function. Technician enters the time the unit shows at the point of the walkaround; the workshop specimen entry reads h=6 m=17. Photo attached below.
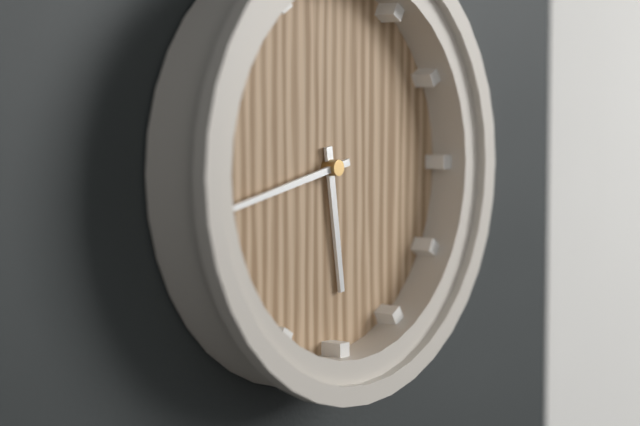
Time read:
h=5 m=43
